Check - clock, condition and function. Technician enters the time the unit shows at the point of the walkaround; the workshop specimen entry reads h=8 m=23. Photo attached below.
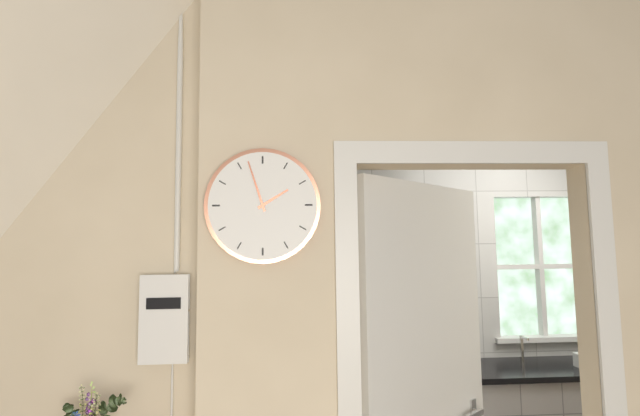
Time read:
h=1 m=57
